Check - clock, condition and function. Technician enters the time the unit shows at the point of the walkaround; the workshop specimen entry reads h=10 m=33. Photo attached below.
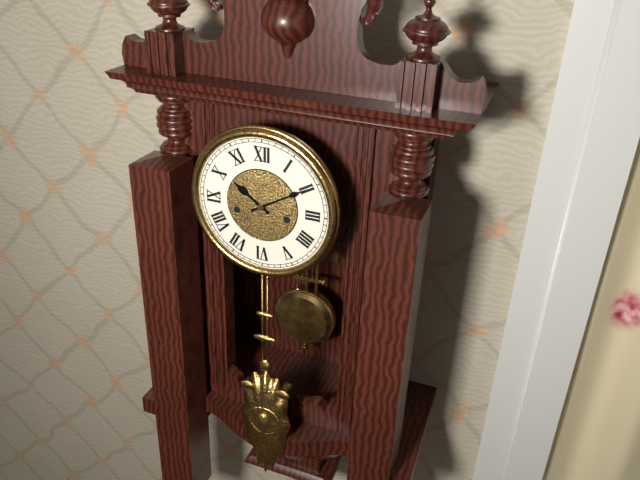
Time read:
h=10 m=10
